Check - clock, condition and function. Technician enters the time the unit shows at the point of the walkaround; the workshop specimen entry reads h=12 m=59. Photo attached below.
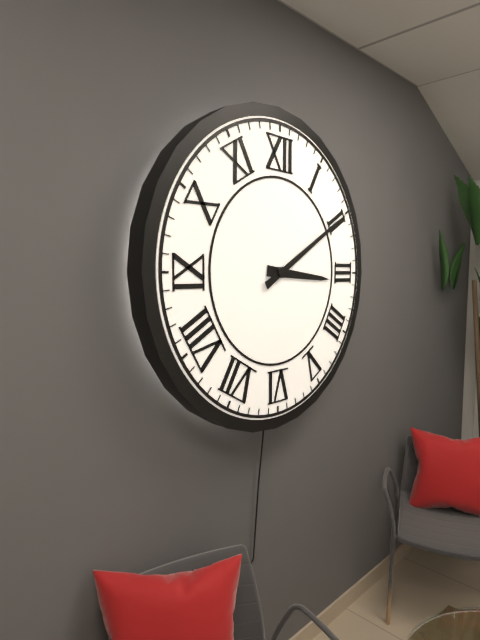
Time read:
h=3 m=10
